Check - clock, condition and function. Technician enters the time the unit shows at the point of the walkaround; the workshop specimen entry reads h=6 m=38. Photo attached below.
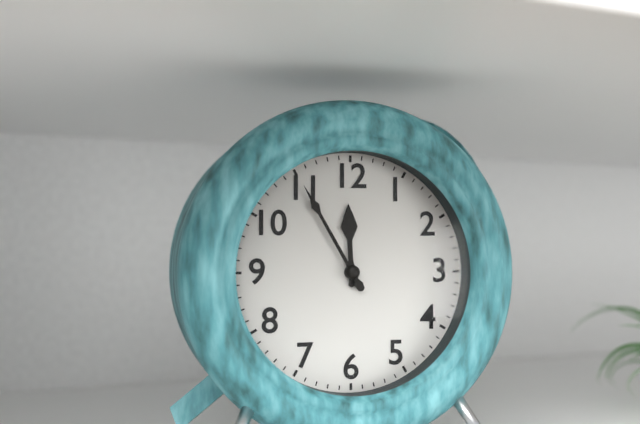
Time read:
h=11 m=55
